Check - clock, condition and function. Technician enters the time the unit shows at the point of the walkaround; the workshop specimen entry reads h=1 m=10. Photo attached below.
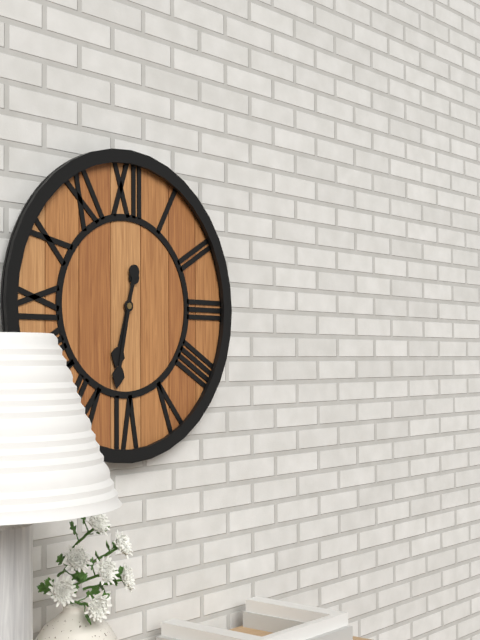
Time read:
h=6 m=32
